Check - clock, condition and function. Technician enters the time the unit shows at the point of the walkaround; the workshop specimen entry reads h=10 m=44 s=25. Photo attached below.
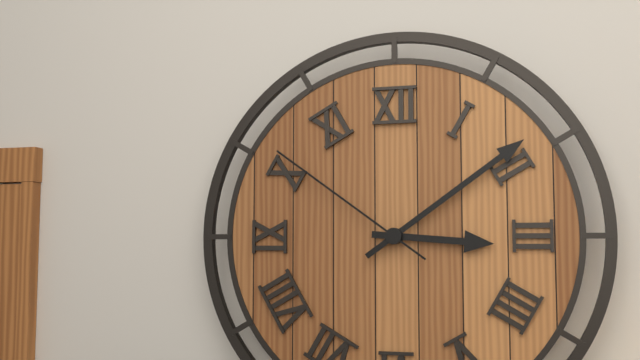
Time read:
h=3 m=9 s=51
